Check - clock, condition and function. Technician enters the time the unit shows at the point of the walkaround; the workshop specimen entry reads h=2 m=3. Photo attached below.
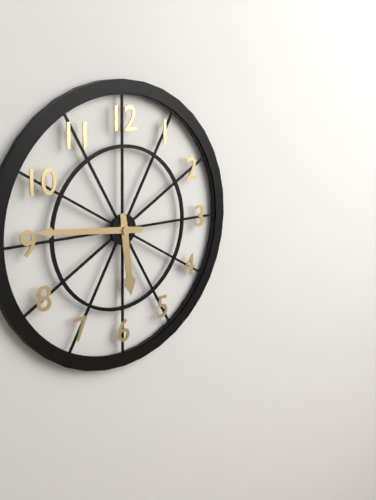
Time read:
h=5 m=46
